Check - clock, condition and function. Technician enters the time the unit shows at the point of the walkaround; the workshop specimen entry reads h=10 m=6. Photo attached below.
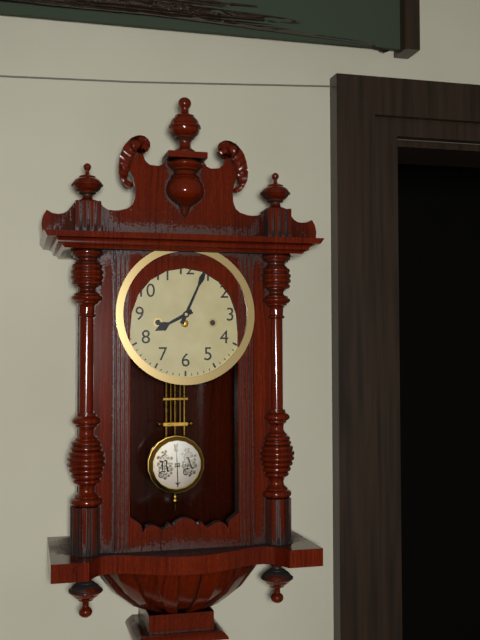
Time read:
h=8 m=4
